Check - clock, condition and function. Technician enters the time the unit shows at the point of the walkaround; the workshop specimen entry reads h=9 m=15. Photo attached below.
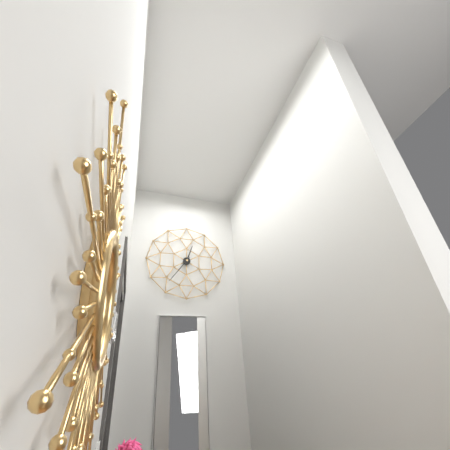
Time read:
h=12 m=36
